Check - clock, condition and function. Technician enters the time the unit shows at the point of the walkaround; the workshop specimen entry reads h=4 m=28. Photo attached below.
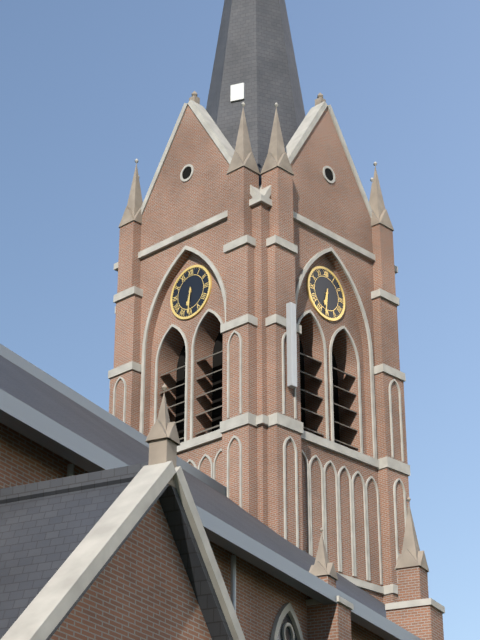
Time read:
h=6 m=31
